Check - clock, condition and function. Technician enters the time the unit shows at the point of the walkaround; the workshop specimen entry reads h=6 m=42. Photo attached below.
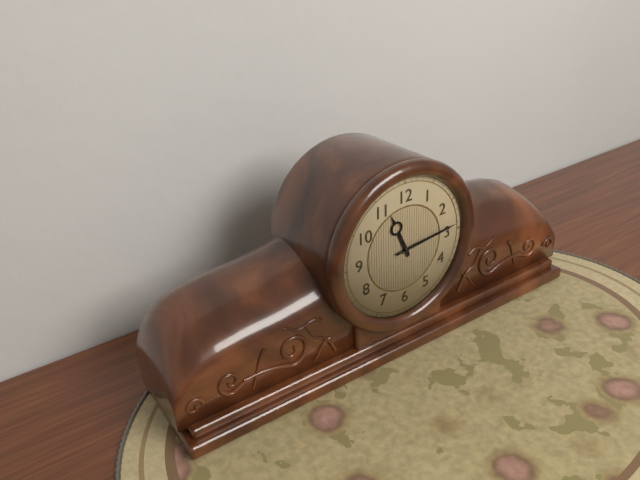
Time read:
h=11 m=14
